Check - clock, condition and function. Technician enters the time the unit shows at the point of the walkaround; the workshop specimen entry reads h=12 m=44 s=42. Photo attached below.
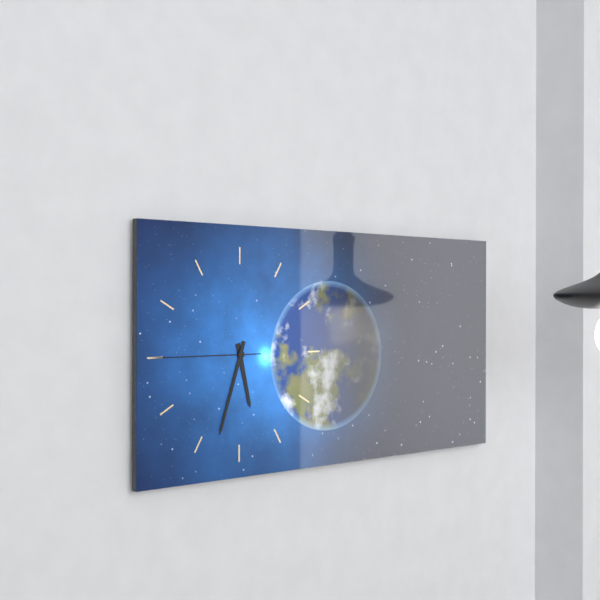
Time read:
h=5 m=33 s=45
